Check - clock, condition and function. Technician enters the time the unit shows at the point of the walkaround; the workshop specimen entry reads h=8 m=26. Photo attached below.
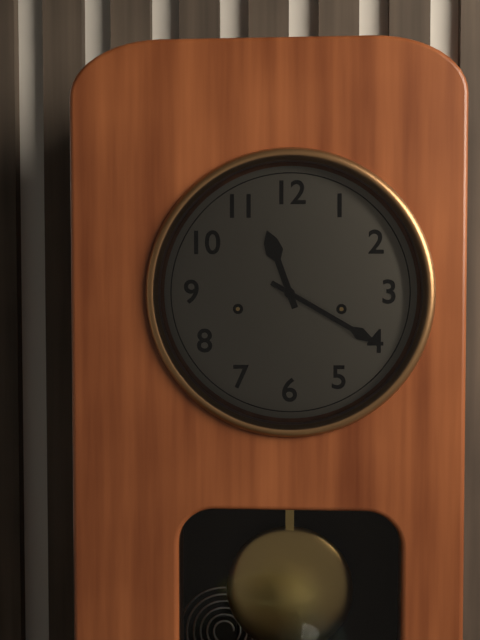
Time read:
h=11 m=20
